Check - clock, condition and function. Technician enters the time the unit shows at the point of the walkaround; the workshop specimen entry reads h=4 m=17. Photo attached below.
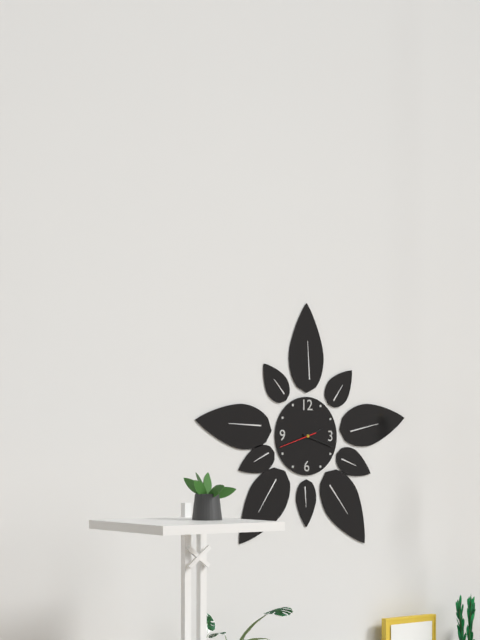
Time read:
h=2 m=18
